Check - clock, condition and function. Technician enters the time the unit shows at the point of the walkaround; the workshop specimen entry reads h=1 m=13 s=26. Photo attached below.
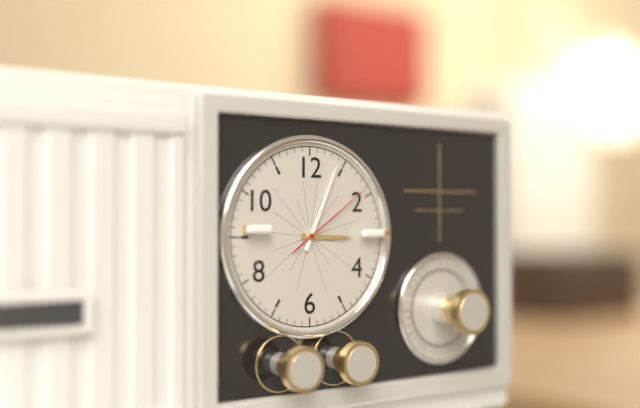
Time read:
h=3 m=4 s=9
